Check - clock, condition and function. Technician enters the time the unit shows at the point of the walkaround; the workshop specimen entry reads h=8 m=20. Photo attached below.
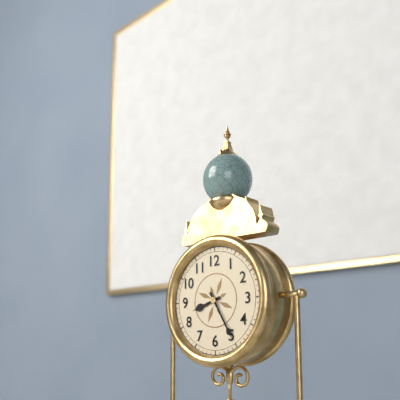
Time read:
h=8 m=25
